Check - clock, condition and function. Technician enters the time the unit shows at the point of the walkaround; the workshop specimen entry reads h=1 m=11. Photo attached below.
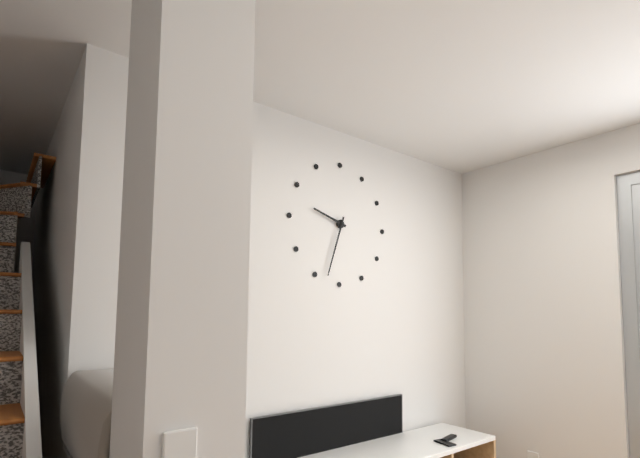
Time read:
h=9 m=33
